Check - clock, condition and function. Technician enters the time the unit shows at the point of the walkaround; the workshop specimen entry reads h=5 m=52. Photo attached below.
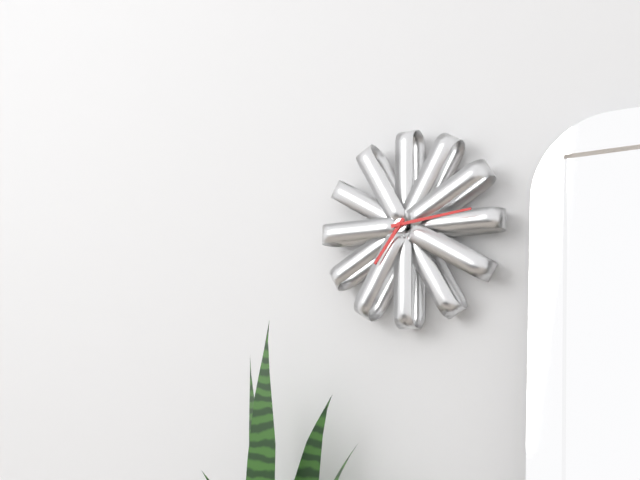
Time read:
h=7 m=14
